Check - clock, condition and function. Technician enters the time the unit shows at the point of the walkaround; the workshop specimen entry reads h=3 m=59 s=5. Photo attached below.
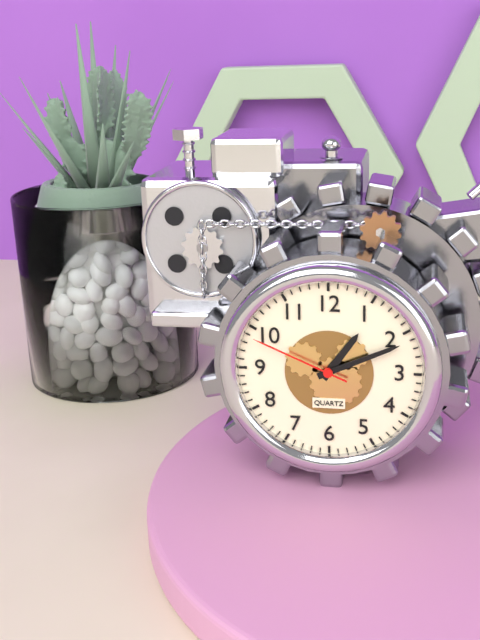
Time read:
h=1 m=11 s=49
